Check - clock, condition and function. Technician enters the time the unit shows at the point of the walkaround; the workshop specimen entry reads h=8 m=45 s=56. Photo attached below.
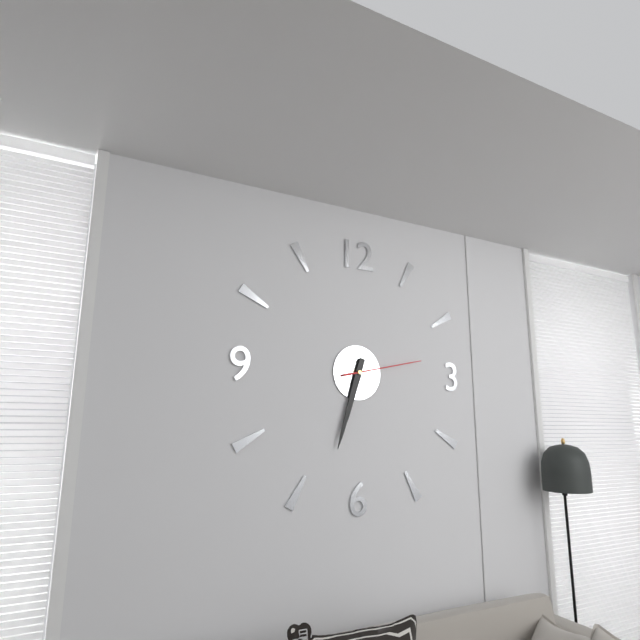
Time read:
h=6 m=33 s=13
